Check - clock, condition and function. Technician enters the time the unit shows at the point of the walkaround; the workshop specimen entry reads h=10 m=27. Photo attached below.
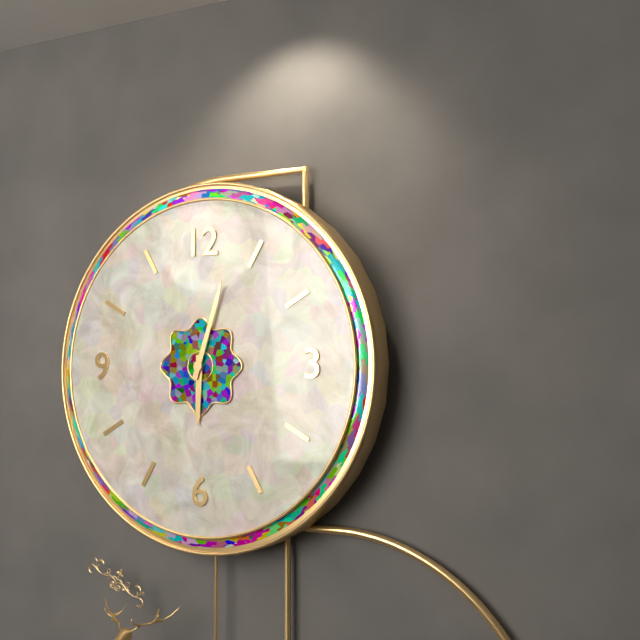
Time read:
h=6 m=3
